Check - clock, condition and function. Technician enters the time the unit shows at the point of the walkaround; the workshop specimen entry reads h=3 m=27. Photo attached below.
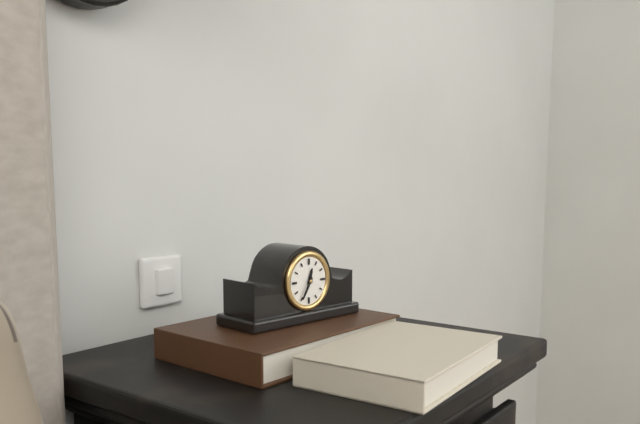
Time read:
h=12 m=35
